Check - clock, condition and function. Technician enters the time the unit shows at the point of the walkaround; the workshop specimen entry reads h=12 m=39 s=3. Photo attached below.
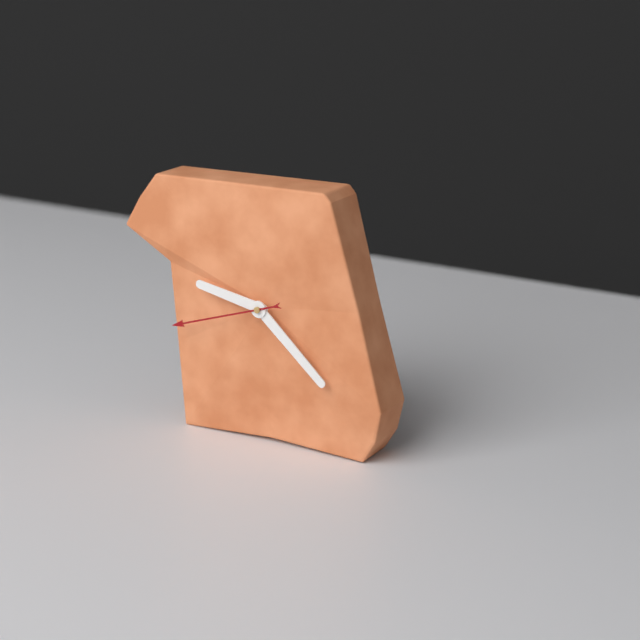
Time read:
h=9 m=22 s=42
